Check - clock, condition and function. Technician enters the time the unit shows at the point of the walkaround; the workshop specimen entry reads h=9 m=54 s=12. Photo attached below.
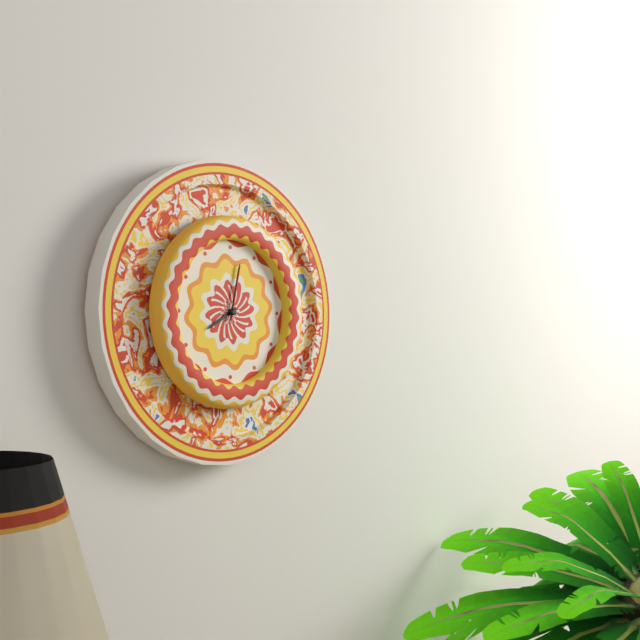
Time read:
h=8 m=2 s=2
